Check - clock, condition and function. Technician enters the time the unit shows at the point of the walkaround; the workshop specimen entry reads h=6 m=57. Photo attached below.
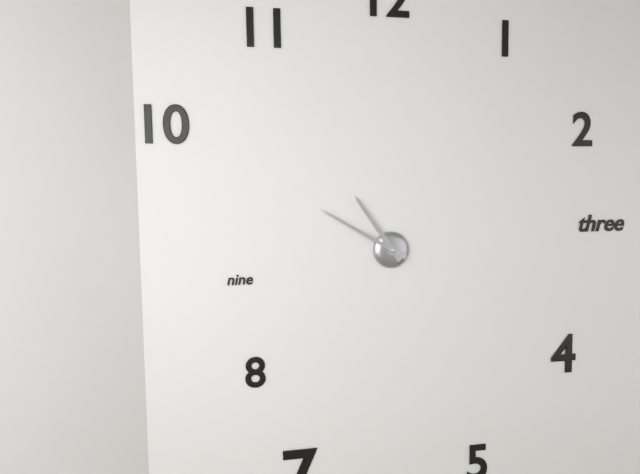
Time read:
h=10 m=50
